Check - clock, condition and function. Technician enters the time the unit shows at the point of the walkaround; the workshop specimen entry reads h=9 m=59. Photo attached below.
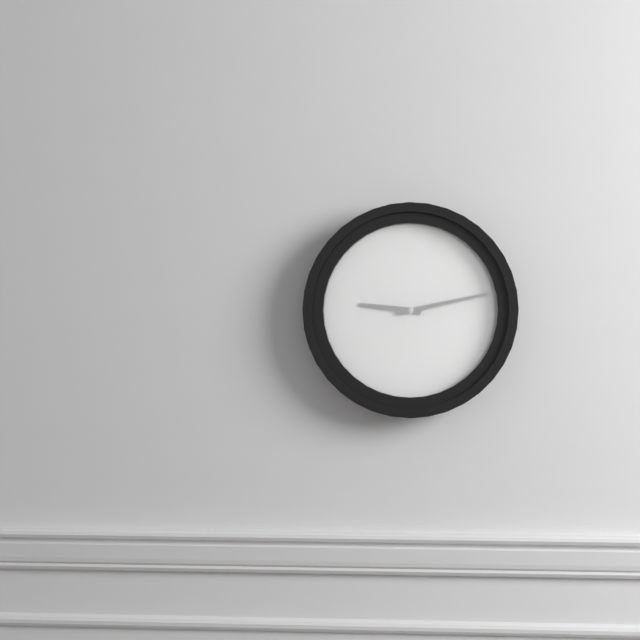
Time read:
h=9 m=13
